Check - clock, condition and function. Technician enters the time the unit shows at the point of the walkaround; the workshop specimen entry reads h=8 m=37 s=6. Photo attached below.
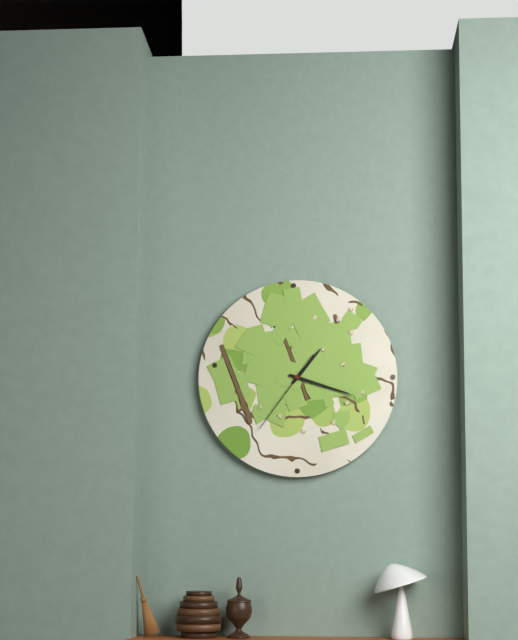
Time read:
h=1 m=18 s=36
